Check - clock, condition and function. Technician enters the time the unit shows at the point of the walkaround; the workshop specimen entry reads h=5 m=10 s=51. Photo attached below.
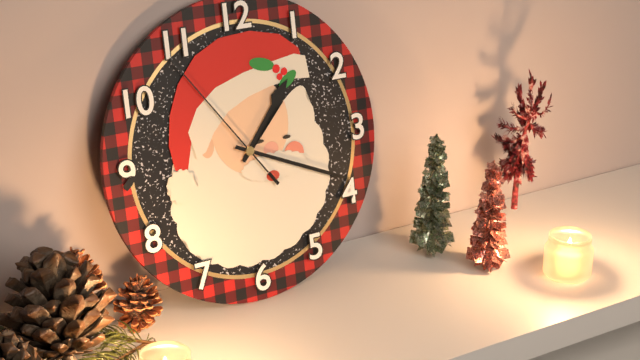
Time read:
h=1 m=19 s=54
